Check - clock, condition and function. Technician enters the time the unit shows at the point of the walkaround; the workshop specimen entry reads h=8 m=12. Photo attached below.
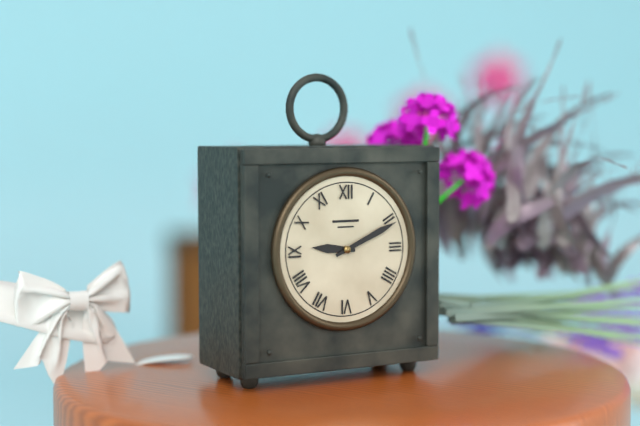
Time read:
h=9 m=11
